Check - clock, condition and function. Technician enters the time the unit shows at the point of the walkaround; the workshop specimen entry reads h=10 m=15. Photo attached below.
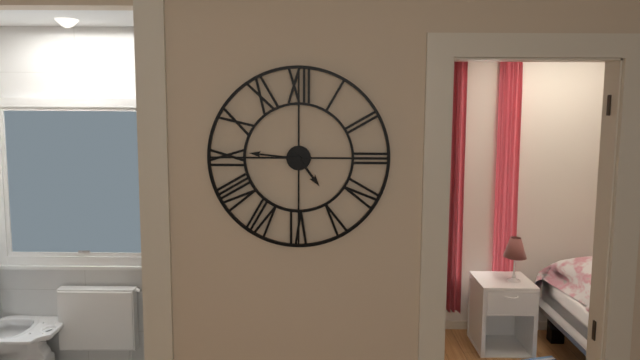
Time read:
h=4 m=46
